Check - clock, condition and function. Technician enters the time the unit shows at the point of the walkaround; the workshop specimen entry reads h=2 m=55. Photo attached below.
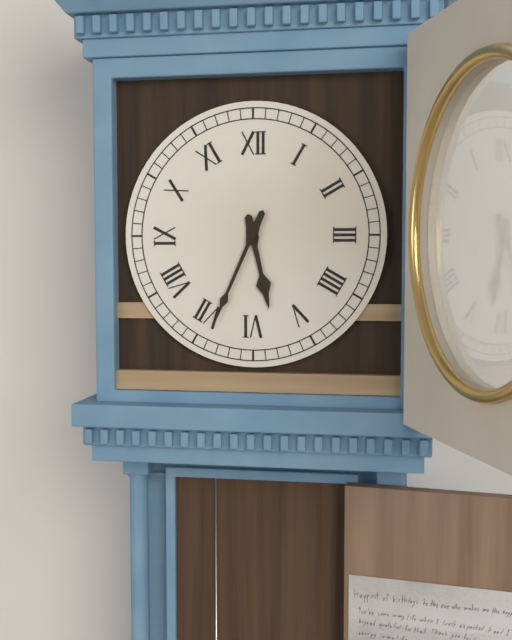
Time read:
h=5 m=34
